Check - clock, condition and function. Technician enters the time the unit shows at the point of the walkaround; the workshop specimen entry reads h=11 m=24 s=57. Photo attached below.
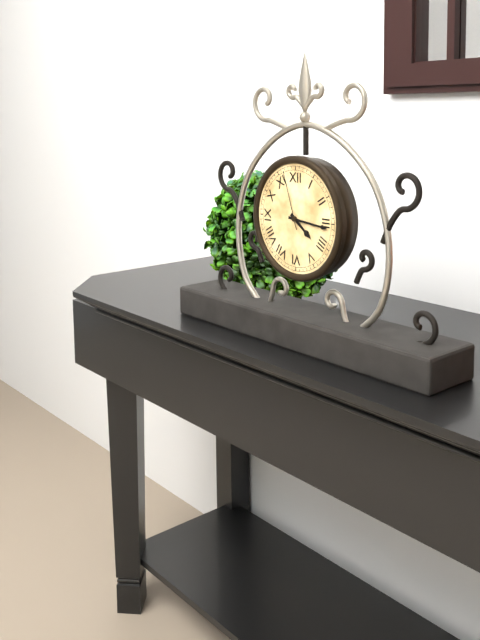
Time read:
h=4 m=16 s=57
